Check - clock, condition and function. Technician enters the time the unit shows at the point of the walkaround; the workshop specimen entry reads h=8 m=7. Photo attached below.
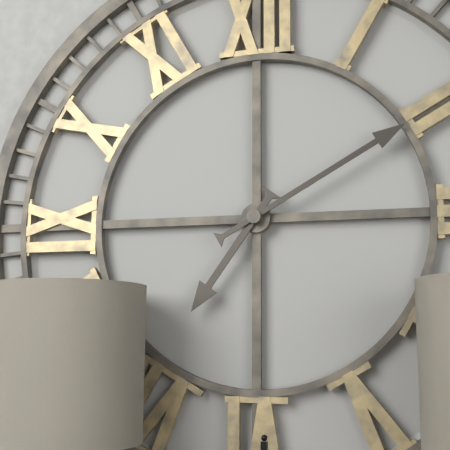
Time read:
h=7 m=10
